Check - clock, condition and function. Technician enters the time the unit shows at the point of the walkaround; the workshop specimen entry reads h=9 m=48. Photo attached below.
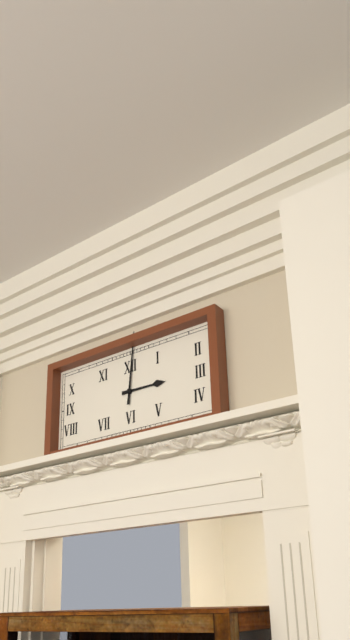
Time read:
h=3 m=1
